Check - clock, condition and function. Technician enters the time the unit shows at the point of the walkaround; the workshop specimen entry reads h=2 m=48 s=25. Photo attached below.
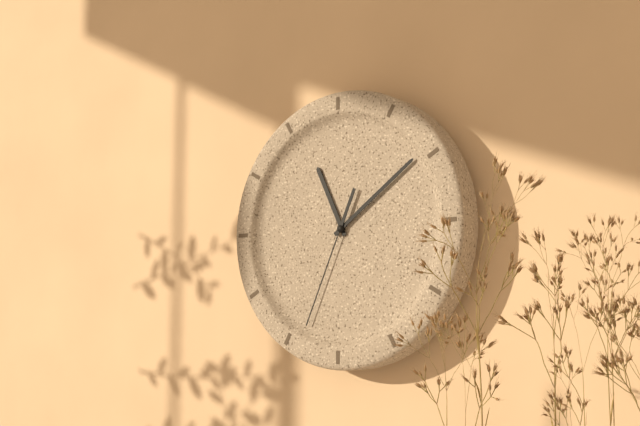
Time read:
h=11 m=9 s=34
